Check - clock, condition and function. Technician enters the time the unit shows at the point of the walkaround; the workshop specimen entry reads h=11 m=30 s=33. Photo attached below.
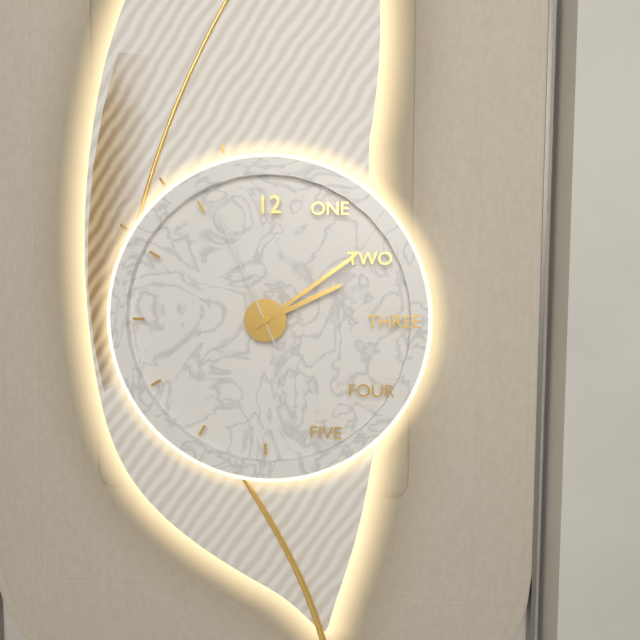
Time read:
h=2 m=9 s=56
